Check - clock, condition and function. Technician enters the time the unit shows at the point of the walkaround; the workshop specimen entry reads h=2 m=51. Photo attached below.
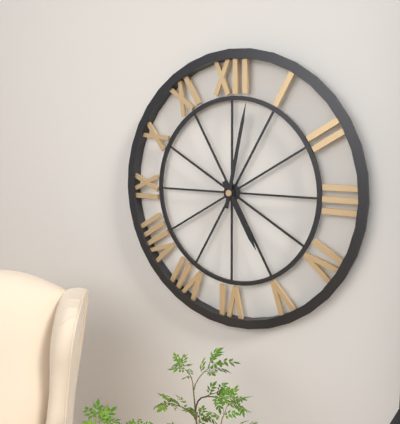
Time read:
h=5 m=2
